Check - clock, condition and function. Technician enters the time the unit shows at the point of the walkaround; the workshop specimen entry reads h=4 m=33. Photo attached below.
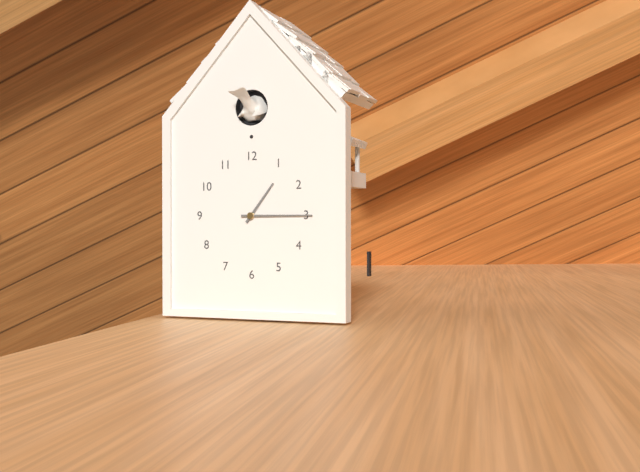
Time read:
h=1 m=15
